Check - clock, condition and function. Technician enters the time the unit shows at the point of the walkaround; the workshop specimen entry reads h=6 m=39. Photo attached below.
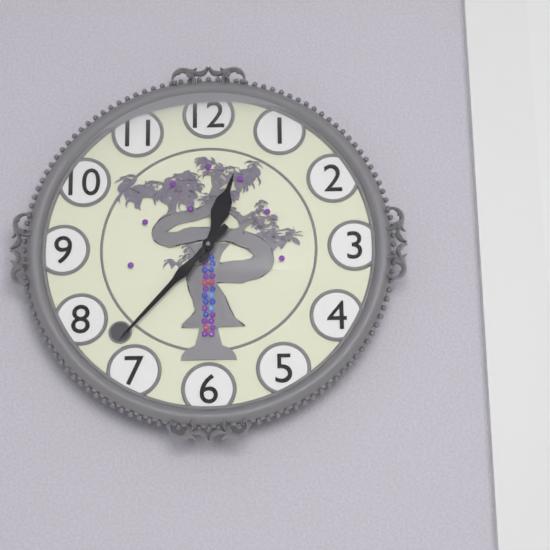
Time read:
h=12 m=37
